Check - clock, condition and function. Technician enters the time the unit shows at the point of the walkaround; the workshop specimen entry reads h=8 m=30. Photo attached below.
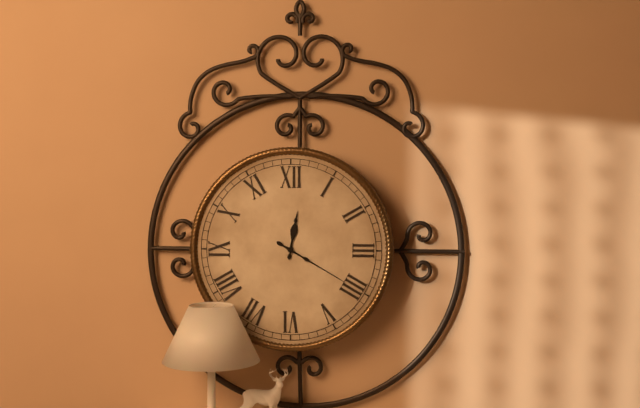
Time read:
h=12 m=20
